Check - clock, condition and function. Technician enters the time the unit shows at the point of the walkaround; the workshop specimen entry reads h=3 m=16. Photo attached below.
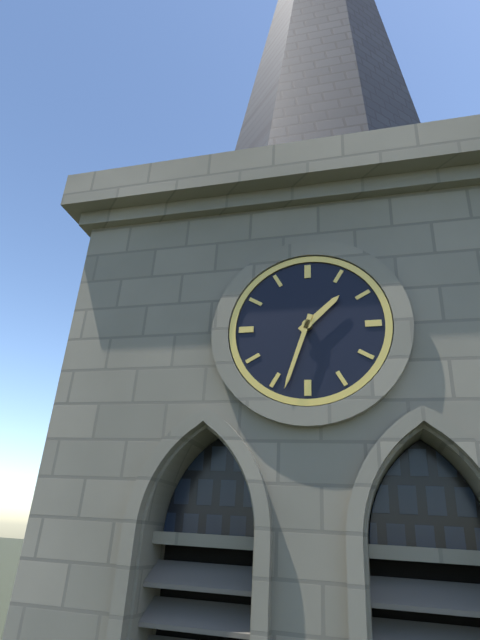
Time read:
h=1 m=33
